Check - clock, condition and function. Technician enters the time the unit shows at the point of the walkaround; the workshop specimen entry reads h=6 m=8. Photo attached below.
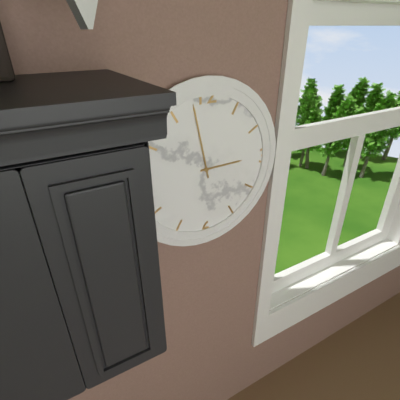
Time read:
h=2 m=58
